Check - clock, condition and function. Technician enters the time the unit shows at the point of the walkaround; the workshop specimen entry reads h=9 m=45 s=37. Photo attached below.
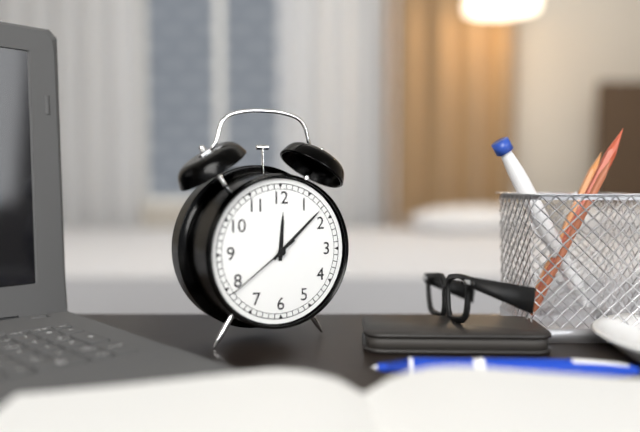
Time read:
h=12 m=8 s=39
